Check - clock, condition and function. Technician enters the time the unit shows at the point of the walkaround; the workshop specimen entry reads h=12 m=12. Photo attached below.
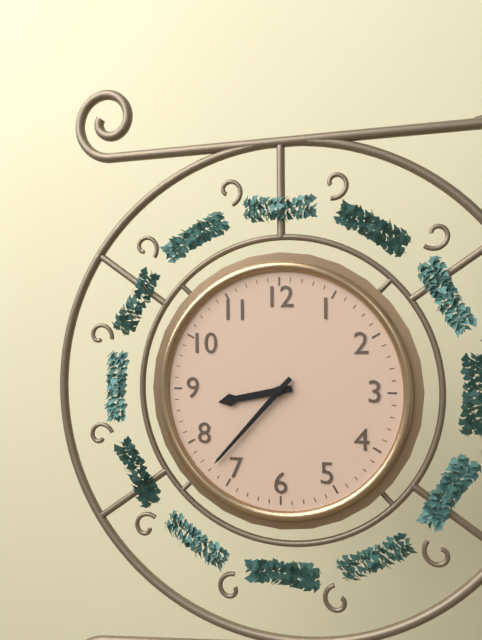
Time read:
h=8 m=37
